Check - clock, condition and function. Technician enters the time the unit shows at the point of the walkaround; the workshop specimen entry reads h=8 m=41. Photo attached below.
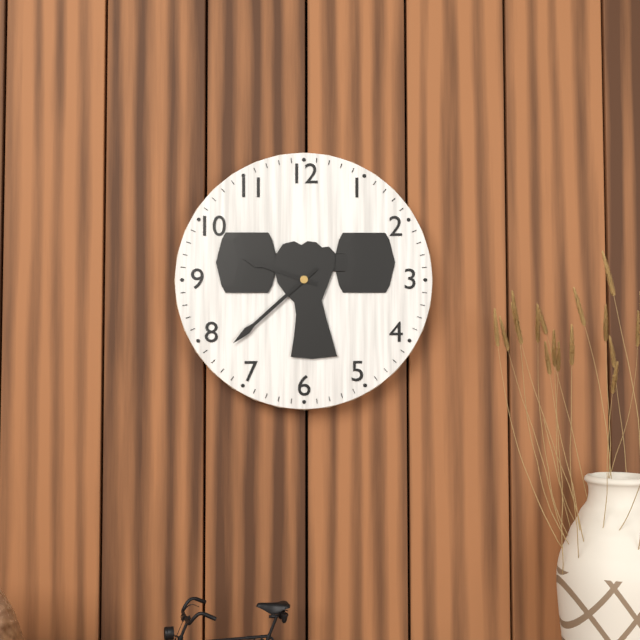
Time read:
h=9 m=38
